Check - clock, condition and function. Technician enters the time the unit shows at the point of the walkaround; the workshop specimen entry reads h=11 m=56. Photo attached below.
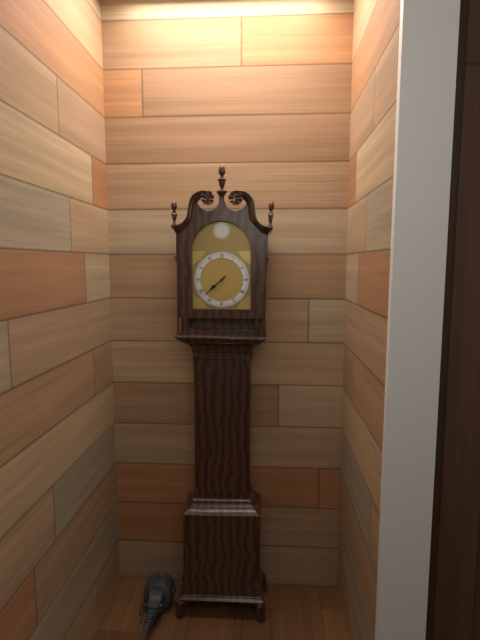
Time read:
h=7 m=38
